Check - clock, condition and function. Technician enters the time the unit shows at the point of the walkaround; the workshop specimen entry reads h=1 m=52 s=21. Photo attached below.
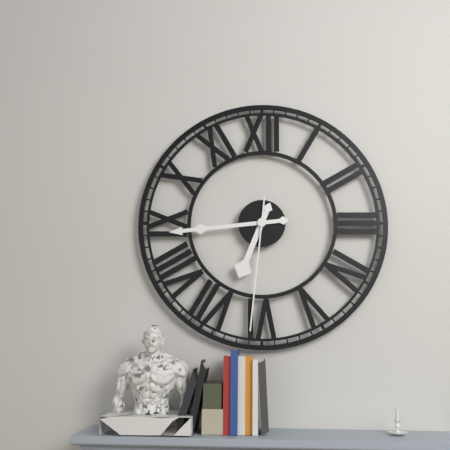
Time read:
h=6 m=44 s=31
